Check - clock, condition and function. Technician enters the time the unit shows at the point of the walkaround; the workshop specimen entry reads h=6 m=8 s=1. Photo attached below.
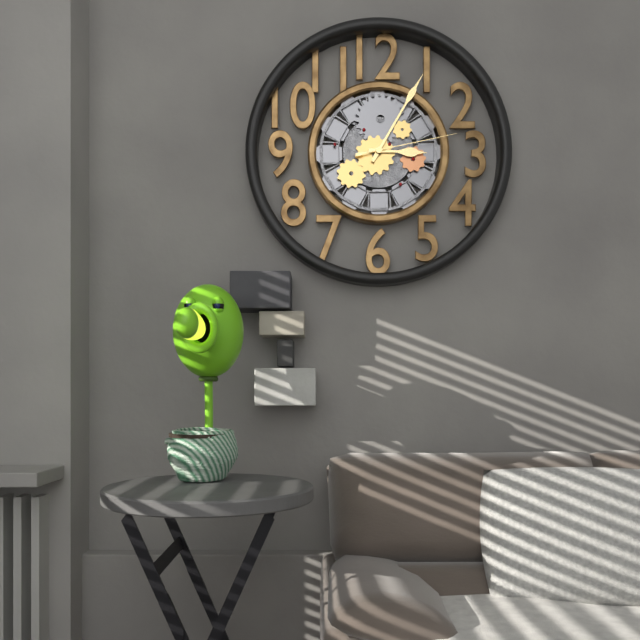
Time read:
h=3 m=5 s=13
